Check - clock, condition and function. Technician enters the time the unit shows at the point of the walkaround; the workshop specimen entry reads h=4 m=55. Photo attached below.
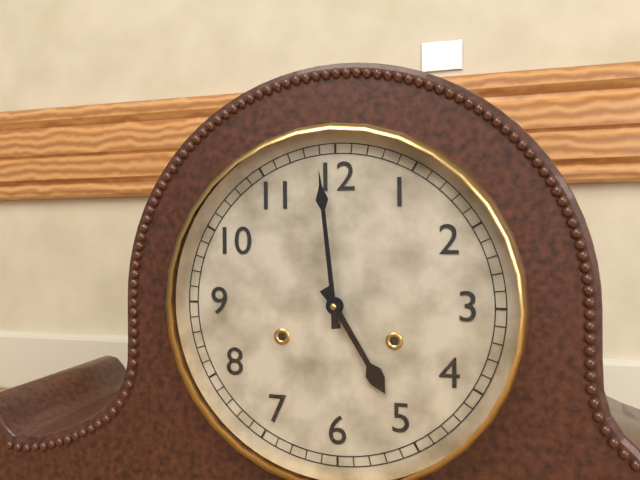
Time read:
h=4 m=59
